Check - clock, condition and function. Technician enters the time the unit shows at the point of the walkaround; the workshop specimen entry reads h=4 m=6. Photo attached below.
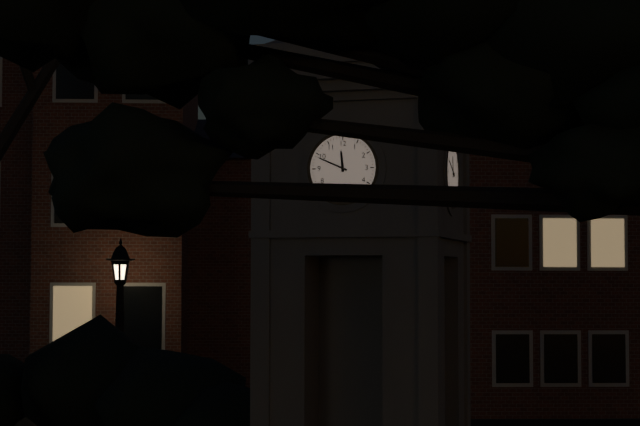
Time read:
h=11 m=49
